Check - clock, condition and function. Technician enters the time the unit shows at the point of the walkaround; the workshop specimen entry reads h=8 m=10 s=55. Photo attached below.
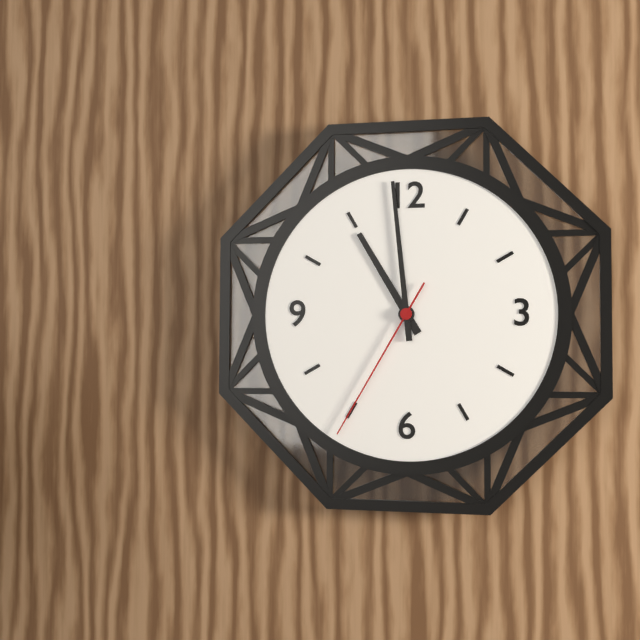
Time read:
h=10 m=59 s=35
